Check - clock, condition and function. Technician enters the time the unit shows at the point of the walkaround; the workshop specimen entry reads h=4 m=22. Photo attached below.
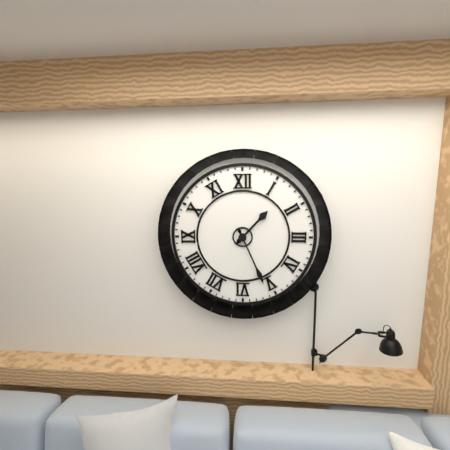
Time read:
h=1 m=26
